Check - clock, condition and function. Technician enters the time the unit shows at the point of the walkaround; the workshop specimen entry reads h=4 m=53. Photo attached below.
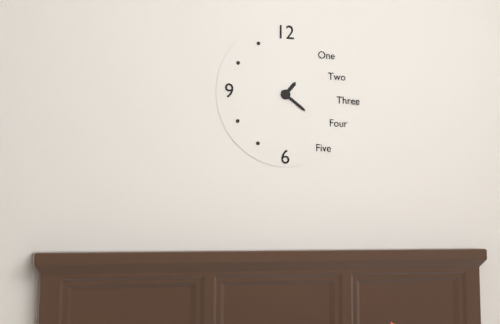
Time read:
h=1 m=21
